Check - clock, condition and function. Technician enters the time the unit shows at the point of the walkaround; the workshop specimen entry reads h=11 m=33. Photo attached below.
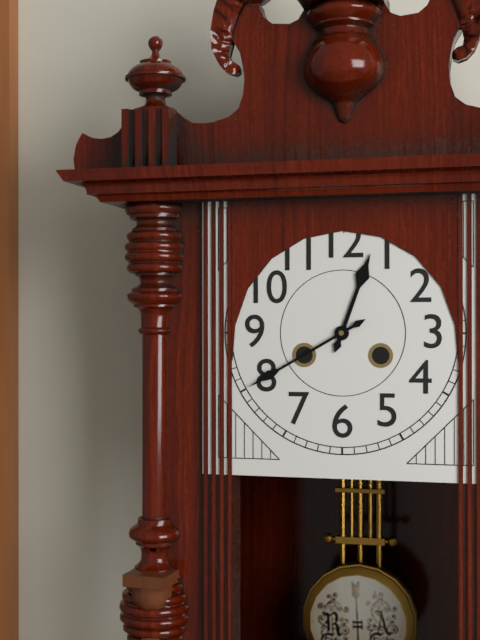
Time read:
h=12 m=40
